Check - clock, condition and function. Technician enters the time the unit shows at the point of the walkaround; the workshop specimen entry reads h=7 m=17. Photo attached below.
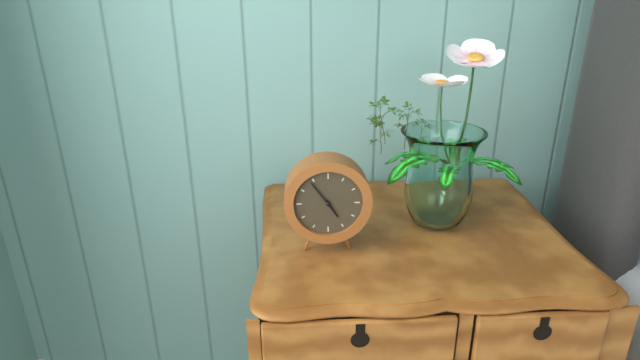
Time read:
h=4 m=54
